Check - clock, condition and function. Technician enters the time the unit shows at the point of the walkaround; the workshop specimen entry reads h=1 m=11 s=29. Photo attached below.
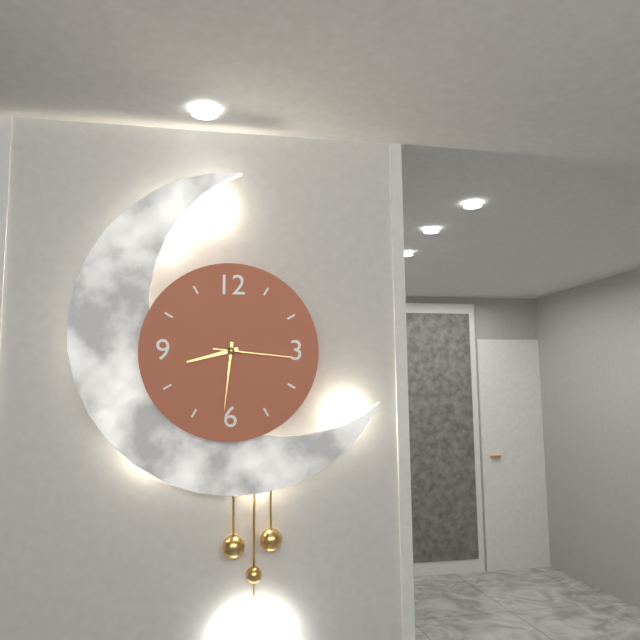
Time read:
h=8 m=31 s=16
